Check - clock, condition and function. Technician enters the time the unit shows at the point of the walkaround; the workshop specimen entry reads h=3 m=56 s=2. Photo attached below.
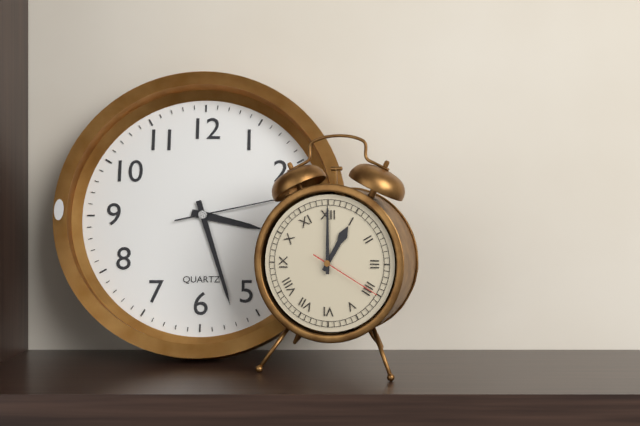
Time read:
h=3 m=27 s=13
